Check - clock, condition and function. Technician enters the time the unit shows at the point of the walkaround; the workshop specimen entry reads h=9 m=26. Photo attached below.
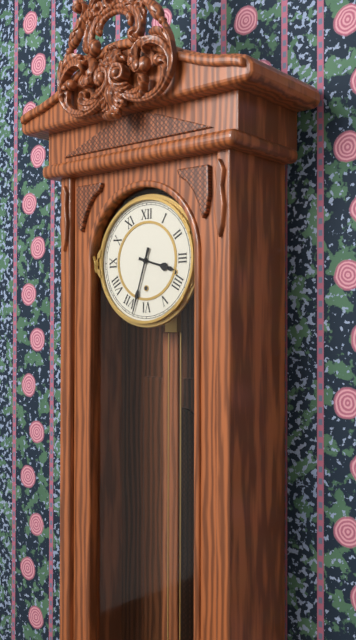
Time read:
h=3 m=33
